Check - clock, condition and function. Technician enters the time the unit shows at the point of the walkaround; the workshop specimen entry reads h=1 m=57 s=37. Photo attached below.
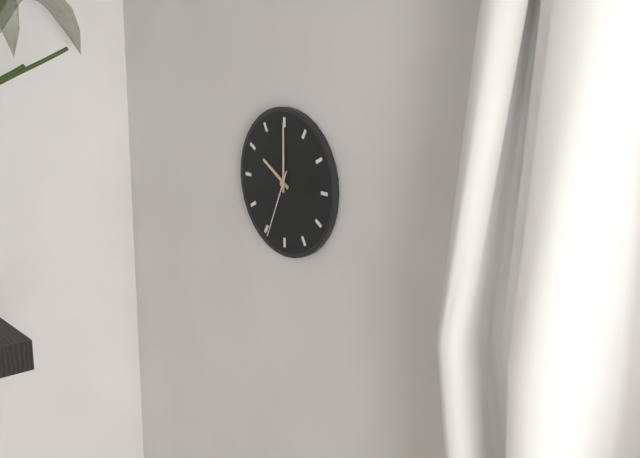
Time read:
h=10 m=0 s=34
